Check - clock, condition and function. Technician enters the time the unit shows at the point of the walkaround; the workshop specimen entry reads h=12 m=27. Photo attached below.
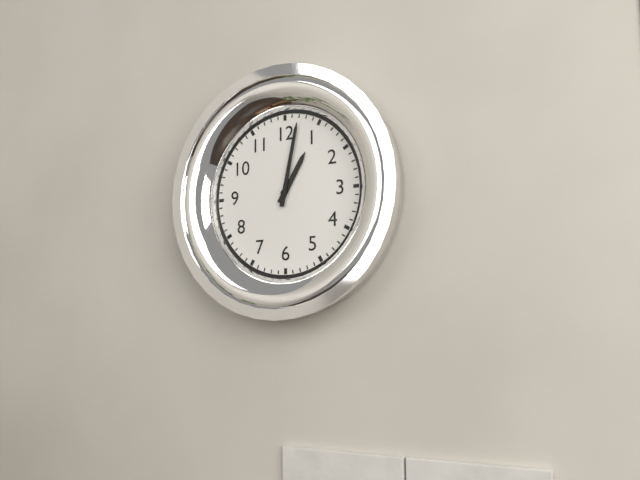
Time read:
h=1 m=2
